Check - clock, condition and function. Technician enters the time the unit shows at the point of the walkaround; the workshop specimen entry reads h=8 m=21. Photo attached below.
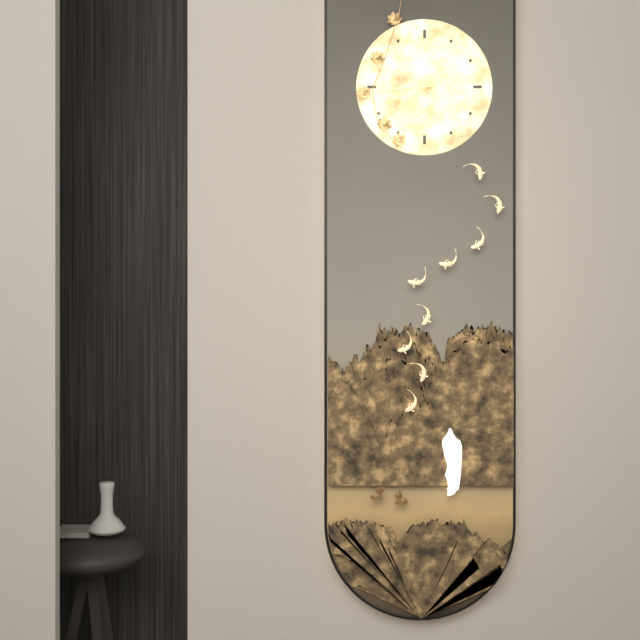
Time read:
h=7 m=44
